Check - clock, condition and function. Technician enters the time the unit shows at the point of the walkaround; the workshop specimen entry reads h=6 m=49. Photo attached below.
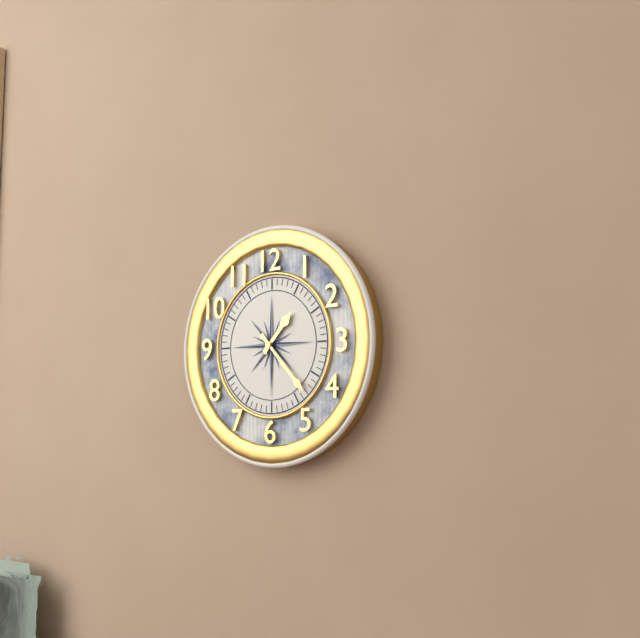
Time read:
h=1 m=23
